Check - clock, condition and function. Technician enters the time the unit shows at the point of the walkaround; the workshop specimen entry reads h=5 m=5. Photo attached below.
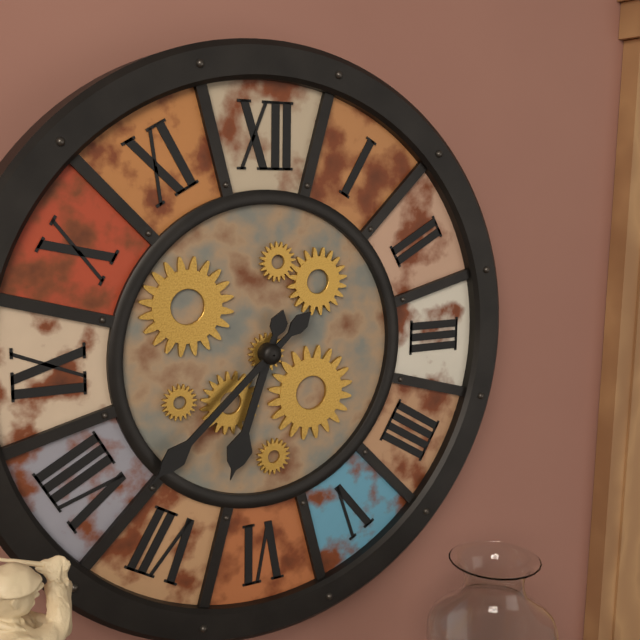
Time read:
h=6 m=38
